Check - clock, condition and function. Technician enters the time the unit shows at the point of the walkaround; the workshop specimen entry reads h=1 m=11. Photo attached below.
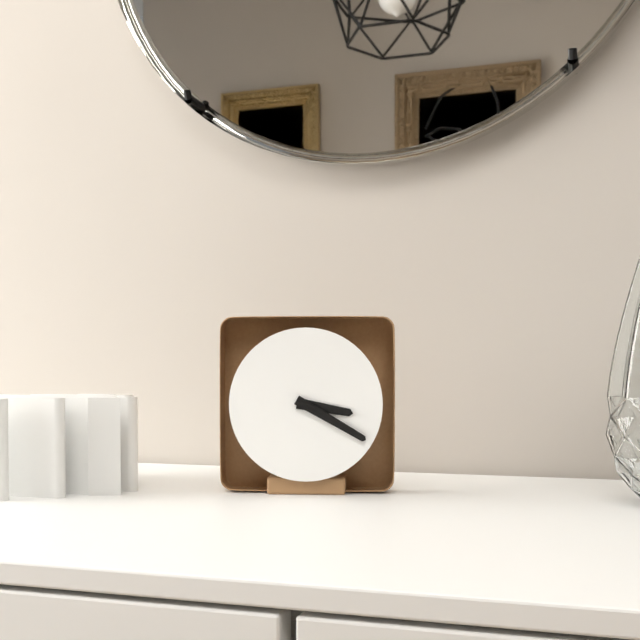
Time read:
h=3 m=20
